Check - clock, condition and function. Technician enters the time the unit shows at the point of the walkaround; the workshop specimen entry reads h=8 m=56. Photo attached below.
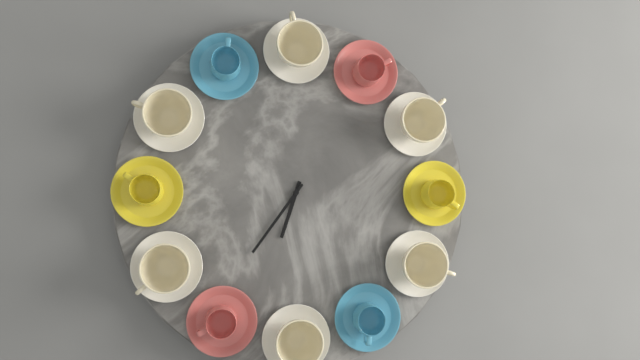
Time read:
h=6 m=36
